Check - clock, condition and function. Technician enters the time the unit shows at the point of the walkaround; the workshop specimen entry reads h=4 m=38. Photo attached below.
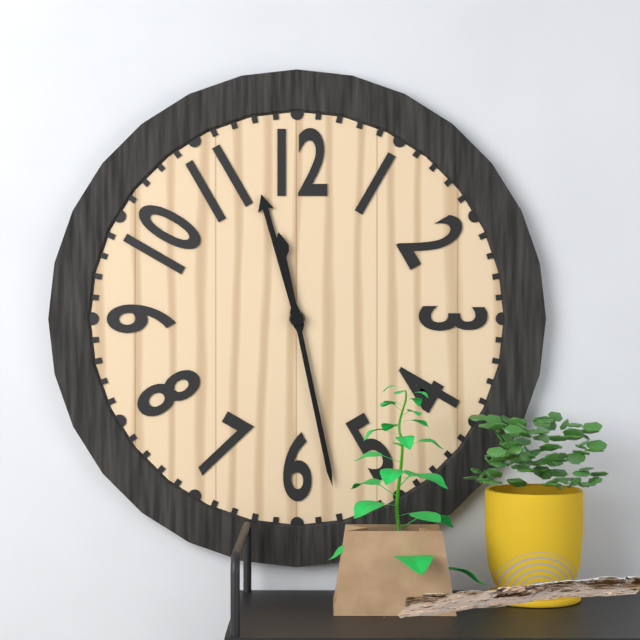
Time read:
h=11 m=28
